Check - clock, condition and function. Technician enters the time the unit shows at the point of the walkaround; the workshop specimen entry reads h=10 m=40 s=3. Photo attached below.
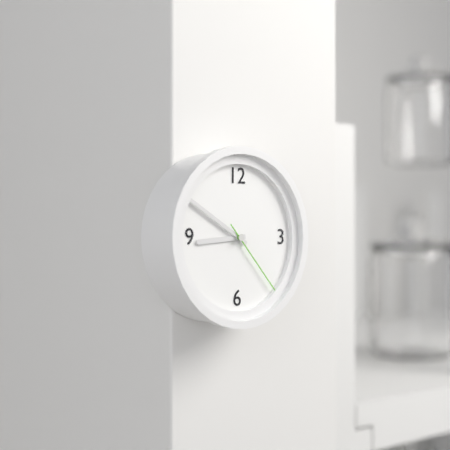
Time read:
h=8 m=50 s=23
